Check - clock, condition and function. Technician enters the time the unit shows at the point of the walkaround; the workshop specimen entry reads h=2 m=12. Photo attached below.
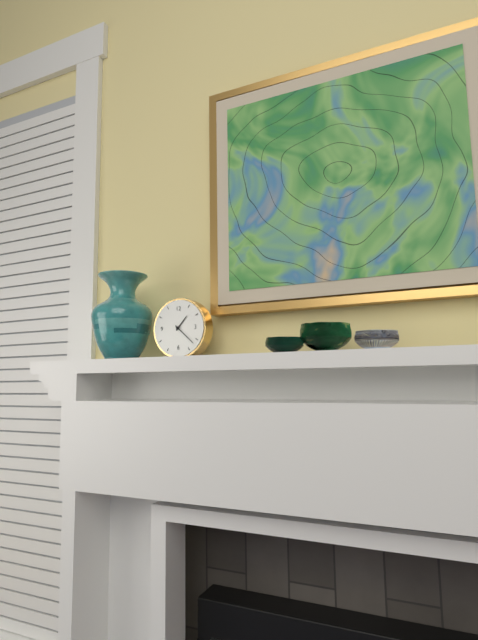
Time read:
h=1 m=22
